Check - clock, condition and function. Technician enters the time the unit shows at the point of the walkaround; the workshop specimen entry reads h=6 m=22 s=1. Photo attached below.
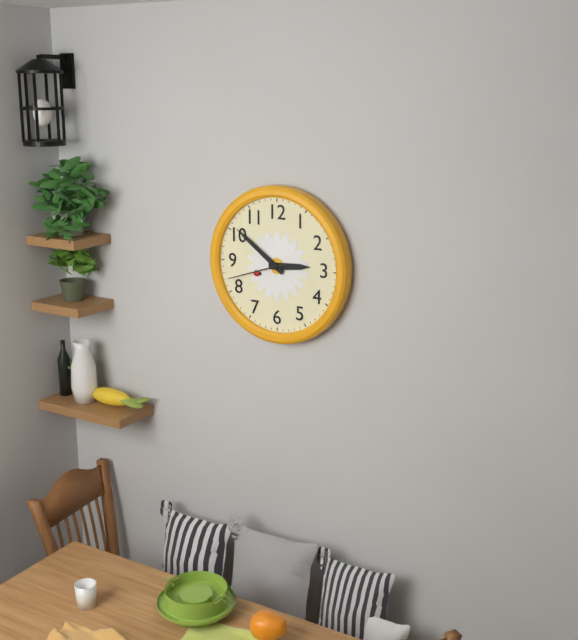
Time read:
h=2 m=51 s=42
